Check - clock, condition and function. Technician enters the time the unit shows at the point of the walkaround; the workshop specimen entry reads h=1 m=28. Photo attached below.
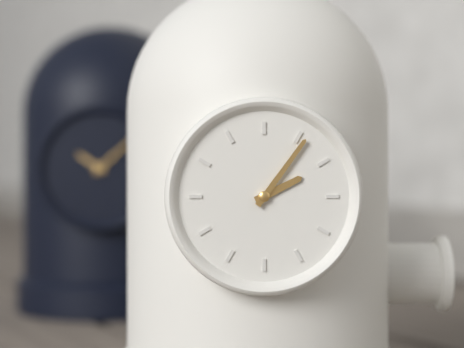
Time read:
h=2 m=6
